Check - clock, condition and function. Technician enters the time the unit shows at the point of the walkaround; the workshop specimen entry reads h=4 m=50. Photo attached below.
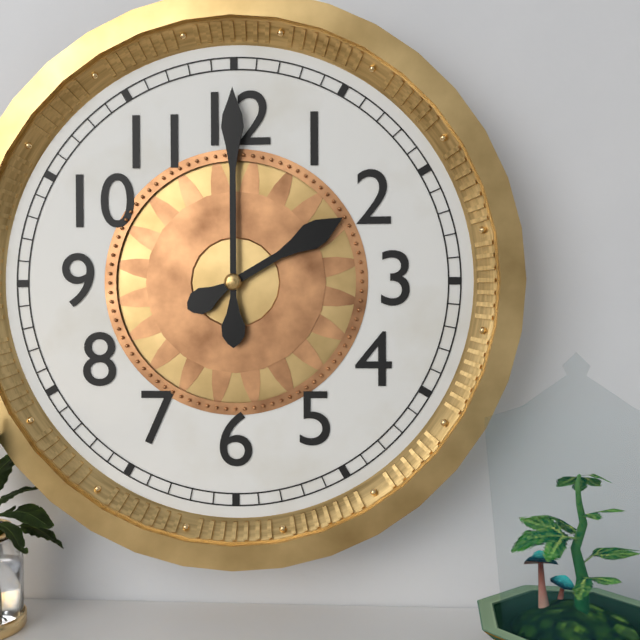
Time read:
h=2 m=0
